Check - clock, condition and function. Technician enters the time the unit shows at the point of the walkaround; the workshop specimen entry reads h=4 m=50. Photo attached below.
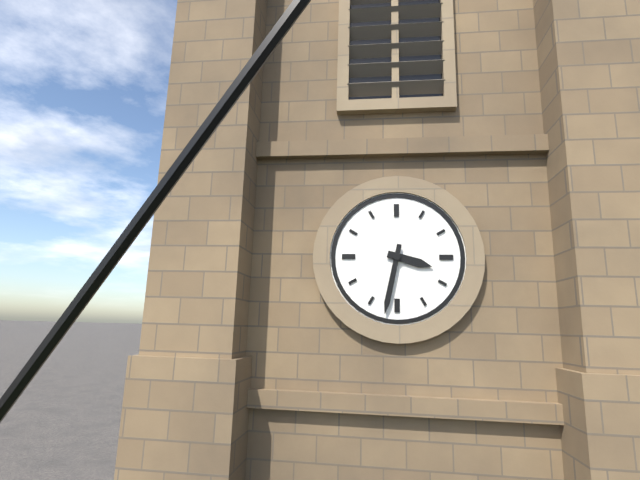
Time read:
h=3 m=32
